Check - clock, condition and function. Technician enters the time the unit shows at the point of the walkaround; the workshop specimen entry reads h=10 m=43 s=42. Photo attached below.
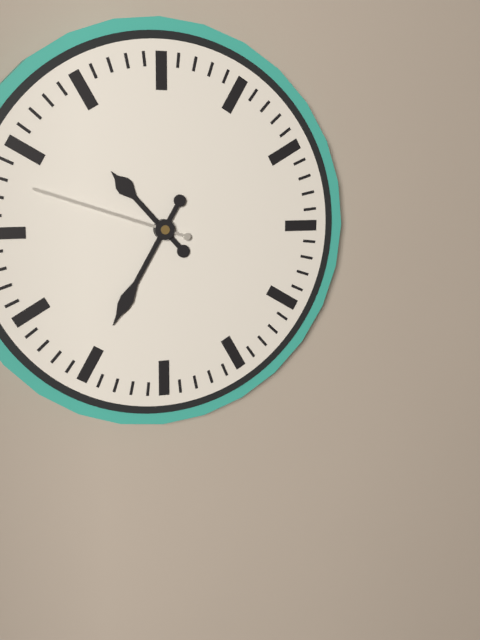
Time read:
h=10 m=35 s=48
